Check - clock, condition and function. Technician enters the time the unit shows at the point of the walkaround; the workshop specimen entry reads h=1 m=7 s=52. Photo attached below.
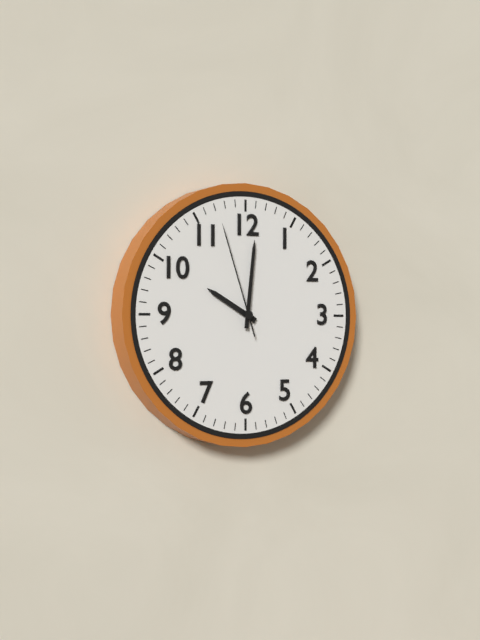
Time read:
h=10 m=1 s=57
